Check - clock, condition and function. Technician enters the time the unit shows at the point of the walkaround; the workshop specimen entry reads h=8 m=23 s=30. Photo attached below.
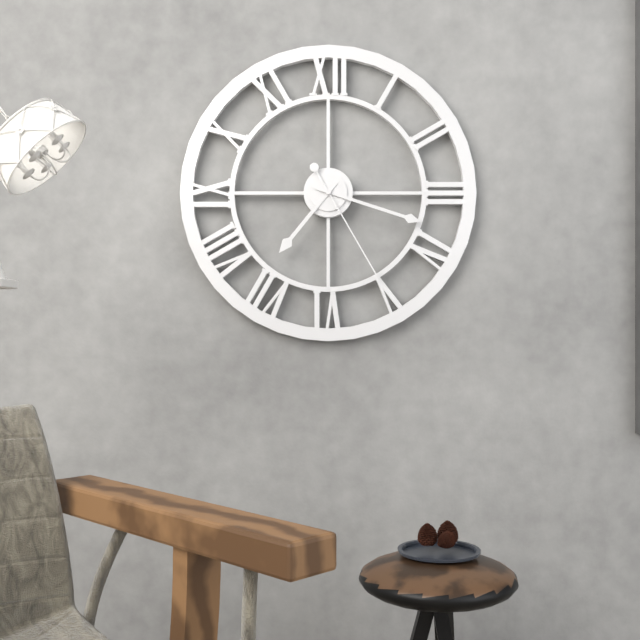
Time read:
h=7 m=18 s=25
